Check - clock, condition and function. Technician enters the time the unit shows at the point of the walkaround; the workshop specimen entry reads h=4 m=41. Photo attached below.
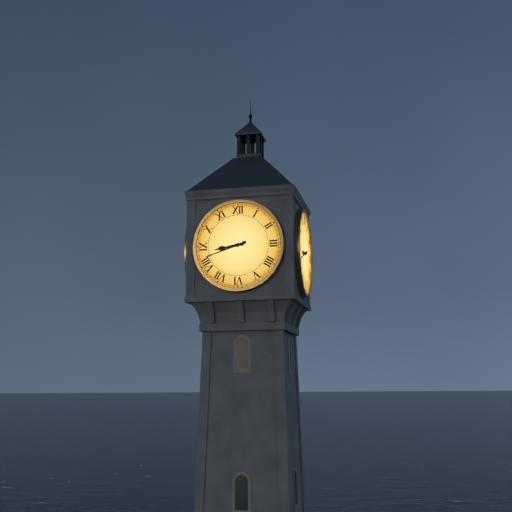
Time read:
h=8 m=42
